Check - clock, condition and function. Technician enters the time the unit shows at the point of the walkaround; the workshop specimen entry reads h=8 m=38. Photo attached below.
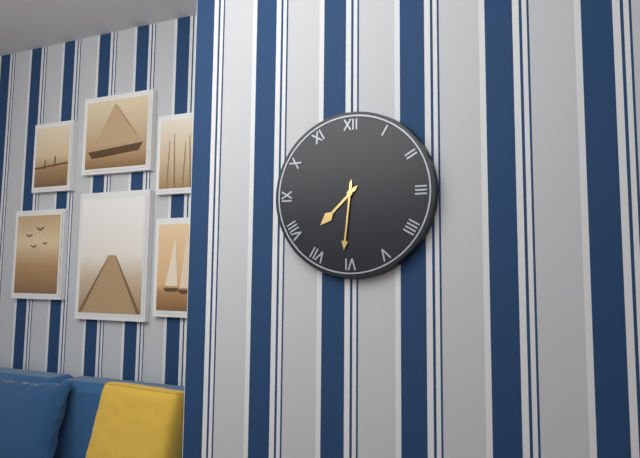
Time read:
h=7 m=31
